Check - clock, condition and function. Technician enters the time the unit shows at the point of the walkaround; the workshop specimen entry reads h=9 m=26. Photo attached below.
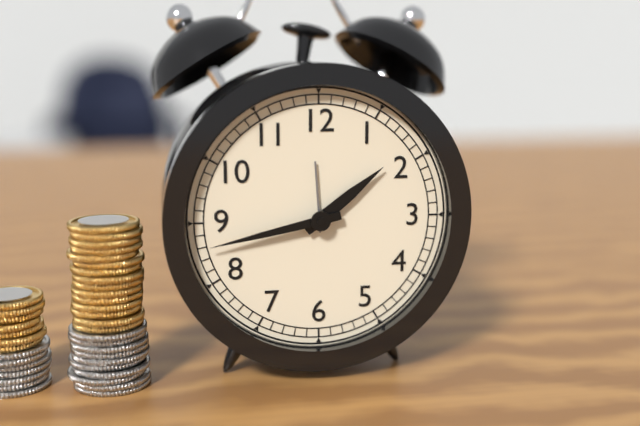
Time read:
h=1 m=43
